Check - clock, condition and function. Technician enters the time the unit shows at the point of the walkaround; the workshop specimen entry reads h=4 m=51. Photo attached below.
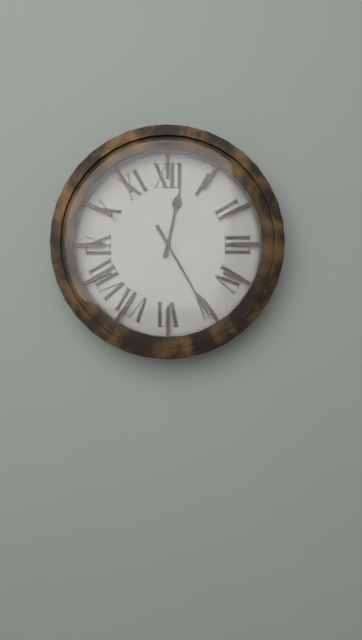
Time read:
h=12 m=25
